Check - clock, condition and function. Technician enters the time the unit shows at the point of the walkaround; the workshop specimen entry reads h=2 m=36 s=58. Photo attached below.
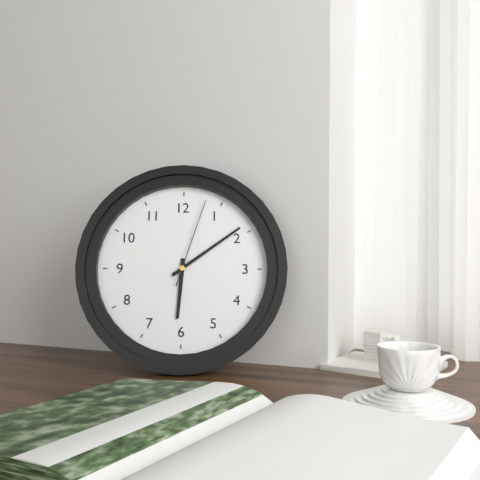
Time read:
h=6 m=9 s=3
